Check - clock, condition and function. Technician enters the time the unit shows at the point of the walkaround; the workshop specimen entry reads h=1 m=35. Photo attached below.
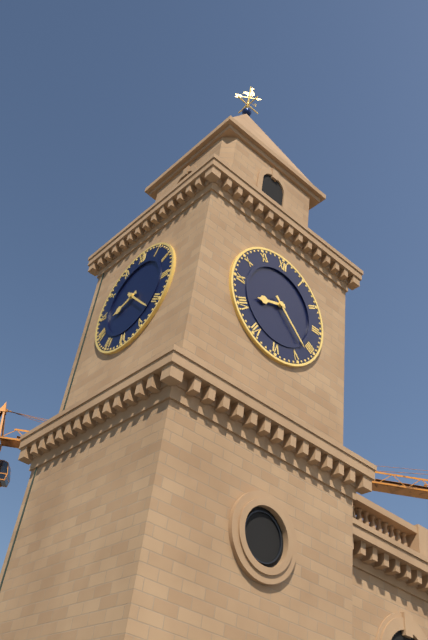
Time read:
h=8 m=22
